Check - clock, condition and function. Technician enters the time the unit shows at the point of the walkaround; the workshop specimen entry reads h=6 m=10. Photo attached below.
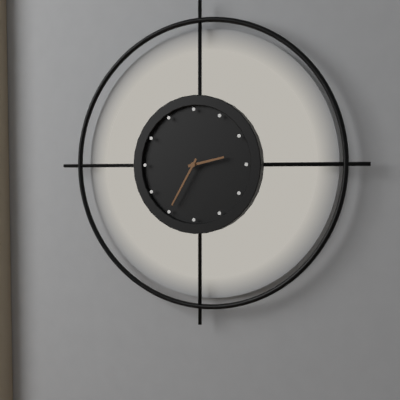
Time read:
h=2 m=35
